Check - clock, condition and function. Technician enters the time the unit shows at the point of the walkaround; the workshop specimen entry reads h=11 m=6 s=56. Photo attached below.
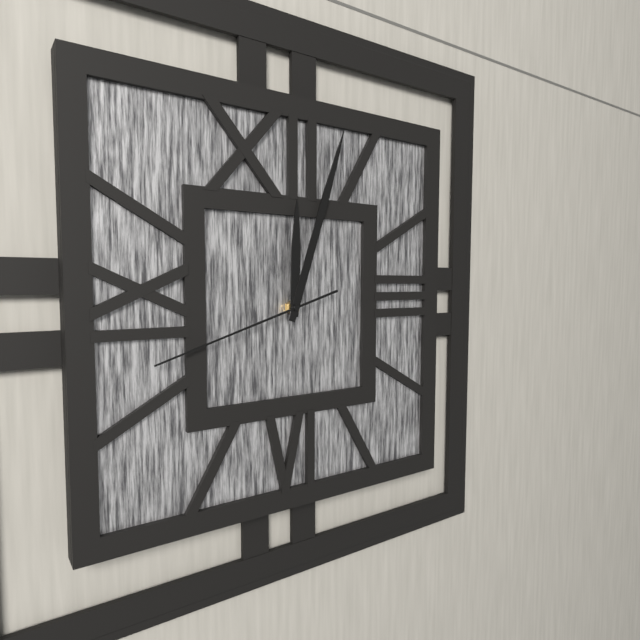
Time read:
h=12 m=3 s=42
